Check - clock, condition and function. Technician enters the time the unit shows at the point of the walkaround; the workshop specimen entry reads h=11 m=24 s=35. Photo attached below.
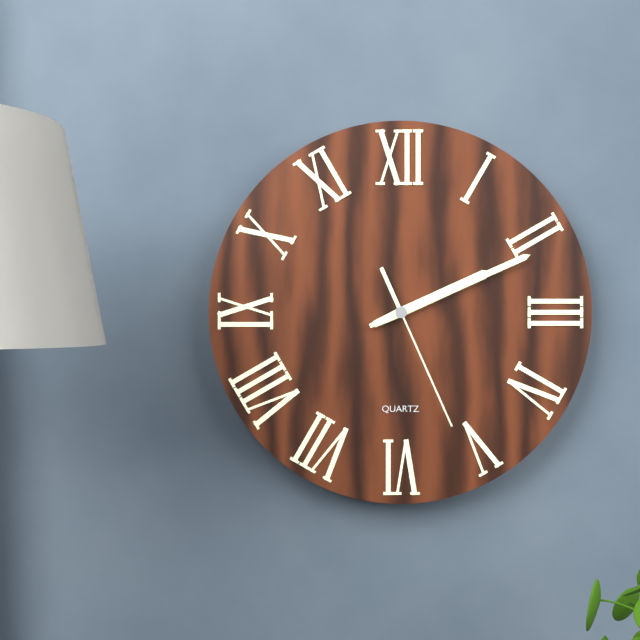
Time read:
h=2 m=11 s=26
